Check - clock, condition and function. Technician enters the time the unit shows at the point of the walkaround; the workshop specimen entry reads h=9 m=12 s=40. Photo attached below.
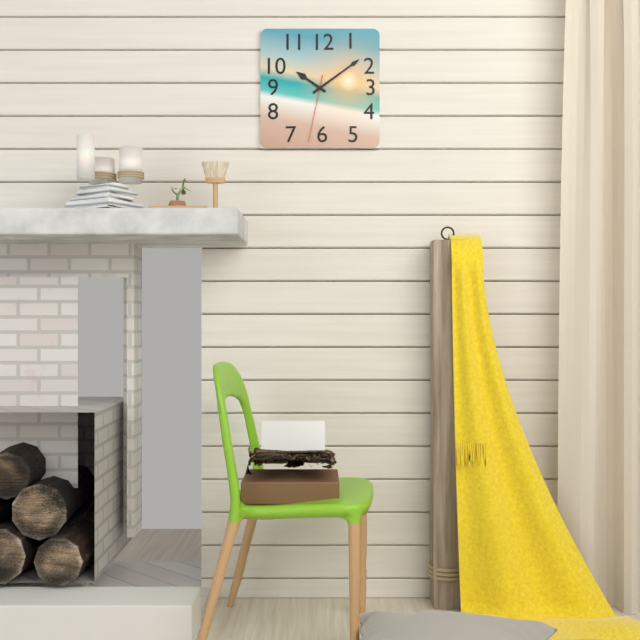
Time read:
h=10 m=9 s=32
